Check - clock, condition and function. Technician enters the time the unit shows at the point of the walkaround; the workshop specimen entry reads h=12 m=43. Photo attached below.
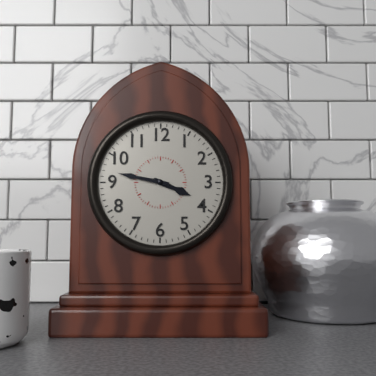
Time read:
h=3 m=47
